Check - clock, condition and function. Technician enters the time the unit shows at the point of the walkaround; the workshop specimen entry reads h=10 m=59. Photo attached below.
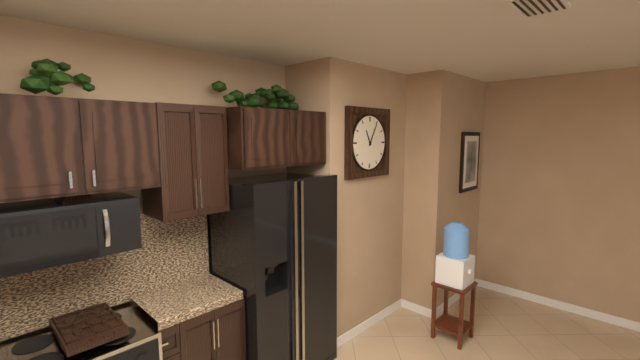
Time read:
h=11 m=5
